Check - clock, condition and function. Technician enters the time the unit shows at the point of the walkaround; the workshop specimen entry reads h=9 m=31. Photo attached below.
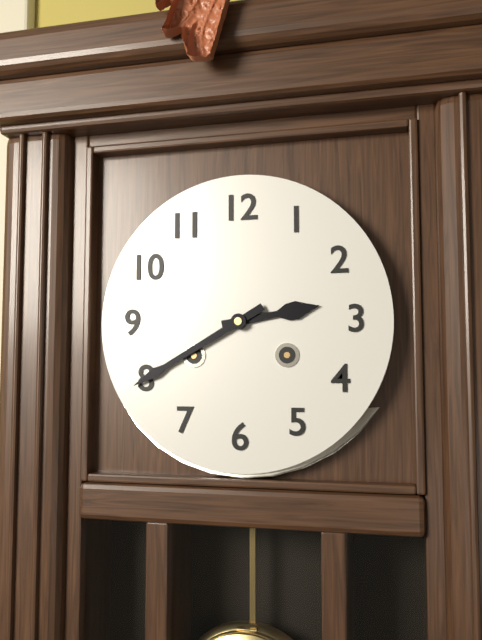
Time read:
h=2 m=40
